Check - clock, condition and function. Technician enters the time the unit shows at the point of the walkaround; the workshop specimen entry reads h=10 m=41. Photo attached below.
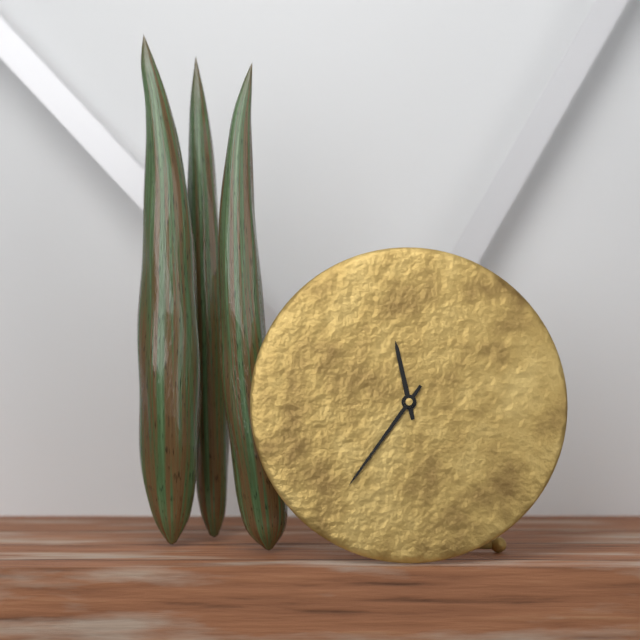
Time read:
h=11 m=36
